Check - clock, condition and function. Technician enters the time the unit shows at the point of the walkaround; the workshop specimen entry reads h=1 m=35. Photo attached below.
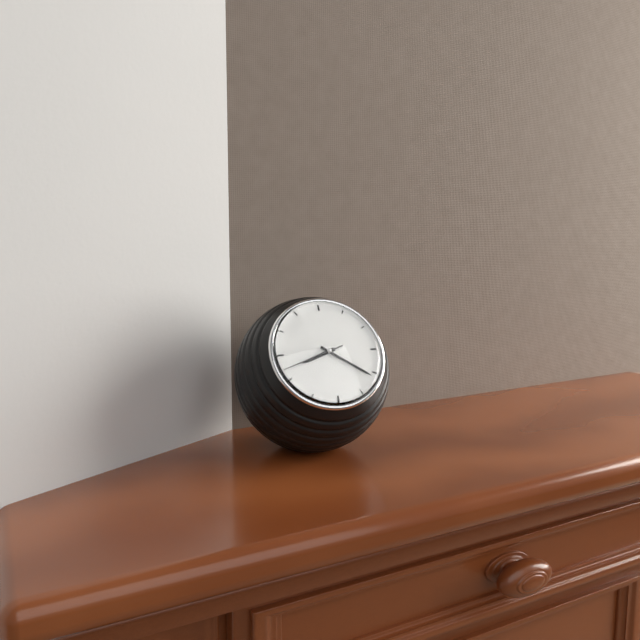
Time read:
h=8 m=21
